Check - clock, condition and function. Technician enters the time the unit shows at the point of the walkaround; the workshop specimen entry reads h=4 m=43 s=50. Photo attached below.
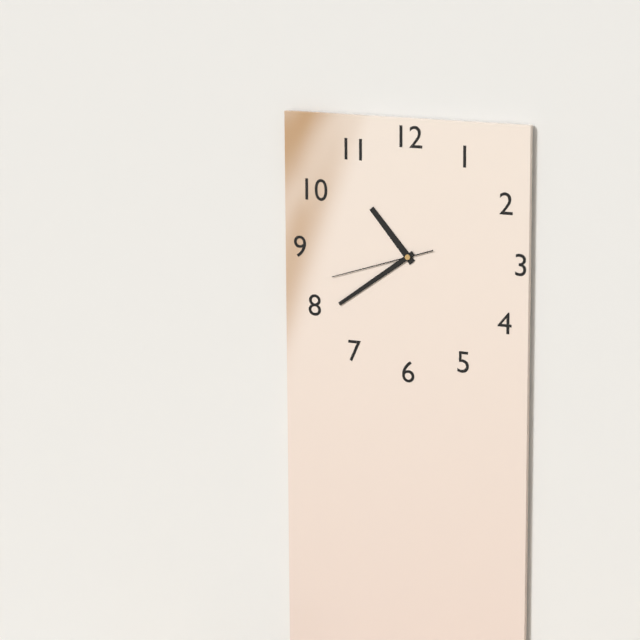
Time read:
h=10 m=39 s=42
